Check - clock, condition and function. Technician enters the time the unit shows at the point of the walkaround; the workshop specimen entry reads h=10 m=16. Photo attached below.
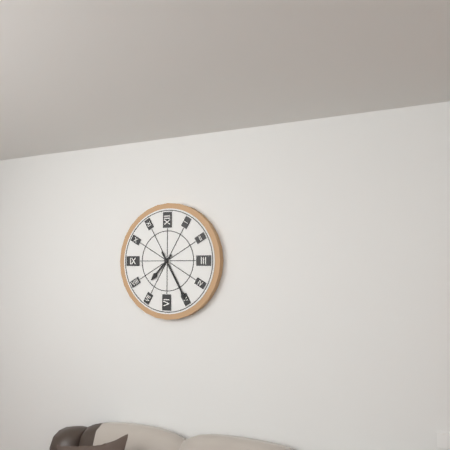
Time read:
h=7 m=25
